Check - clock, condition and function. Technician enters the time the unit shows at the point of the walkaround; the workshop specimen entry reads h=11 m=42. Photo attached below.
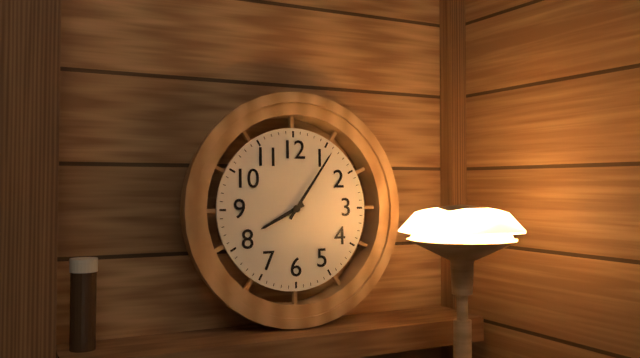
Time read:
h=8 m=6
